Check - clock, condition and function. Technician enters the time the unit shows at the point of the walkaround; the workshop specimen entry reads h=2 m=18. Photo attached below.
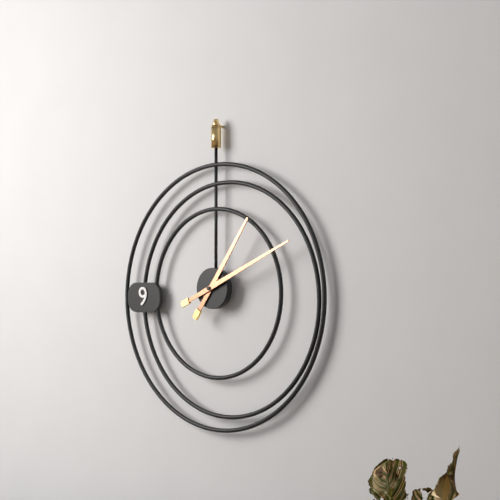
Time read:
h=1 m=11
